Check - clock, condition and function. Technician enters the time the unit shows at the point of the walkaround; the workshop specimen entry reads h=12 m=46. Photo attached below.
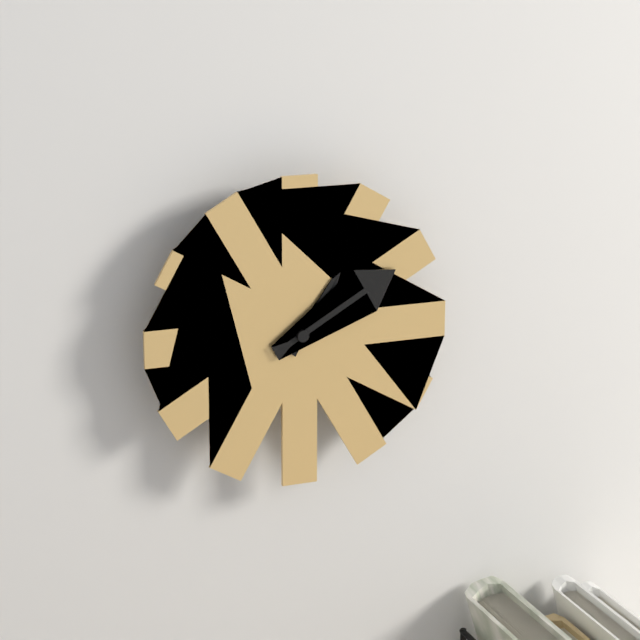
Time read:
h=1 m=10
